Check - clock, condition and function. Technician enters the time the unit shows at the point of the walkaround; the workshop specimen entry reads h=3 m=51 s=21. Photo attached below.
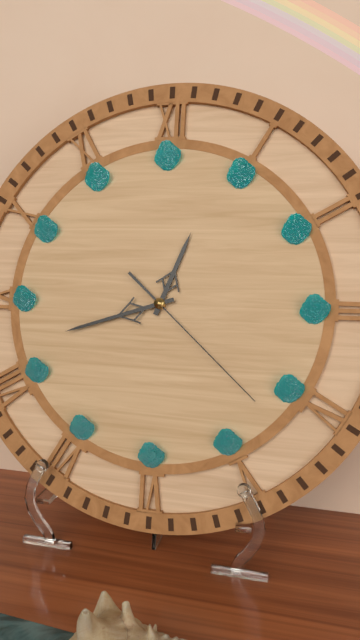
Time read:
h=12 m=42 s=22
